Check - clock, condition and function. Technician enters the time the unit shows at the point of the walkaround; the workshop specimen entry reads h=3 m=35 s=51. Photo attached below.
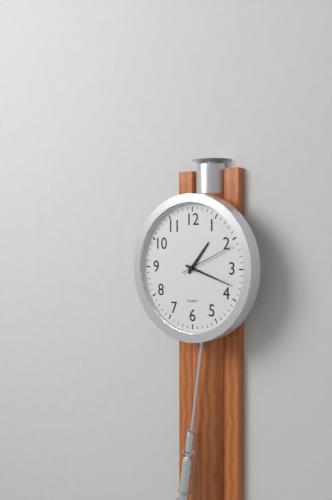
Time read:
h=1 m=18 s=11
